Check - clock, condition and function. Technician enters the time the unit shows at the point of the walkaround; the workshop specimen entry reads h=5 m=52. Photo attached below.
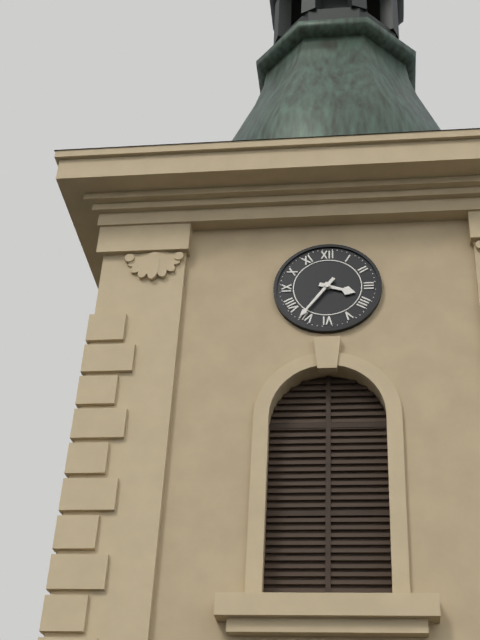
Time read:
h=3 m=36
